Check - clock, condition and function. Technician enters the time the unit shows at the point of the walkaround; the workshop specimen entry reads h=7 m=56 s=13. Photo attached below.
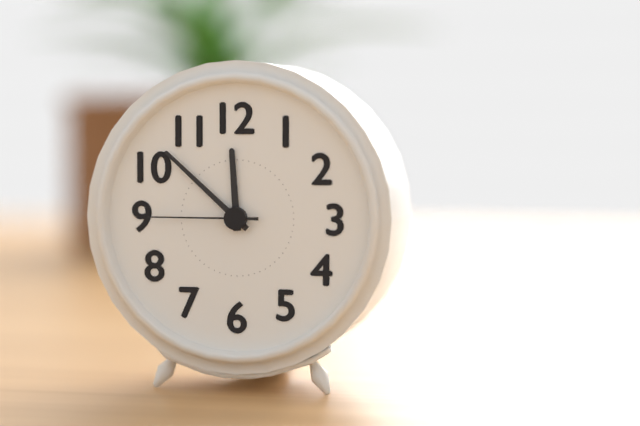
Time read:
h=11 m=52 s=45
